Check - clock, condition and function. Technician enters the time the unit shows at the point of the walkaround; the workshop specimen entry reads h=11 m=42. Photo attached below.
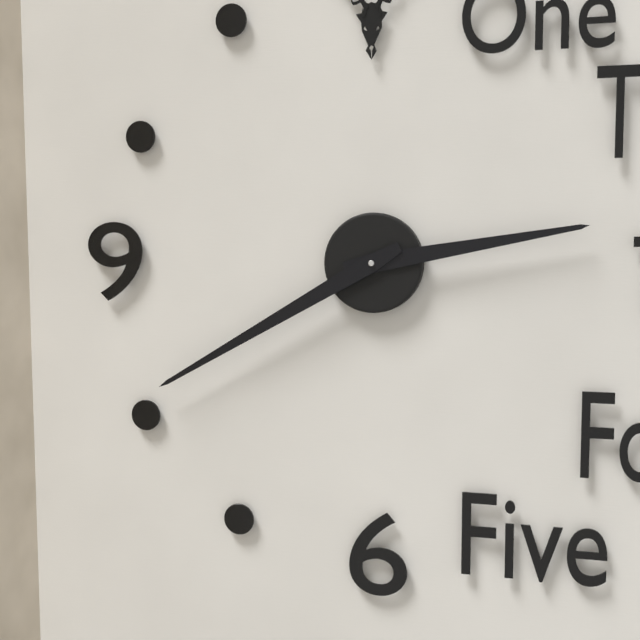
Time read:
h=2 m=40
